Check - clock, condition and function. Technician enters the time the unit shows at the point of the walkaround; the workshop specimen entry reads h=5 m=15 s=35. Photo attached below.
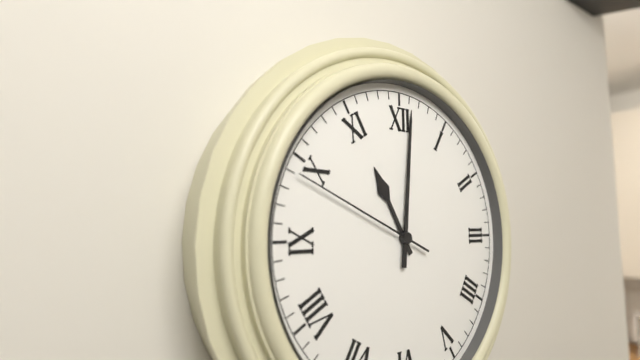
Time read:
h=11 m=1 s=49
